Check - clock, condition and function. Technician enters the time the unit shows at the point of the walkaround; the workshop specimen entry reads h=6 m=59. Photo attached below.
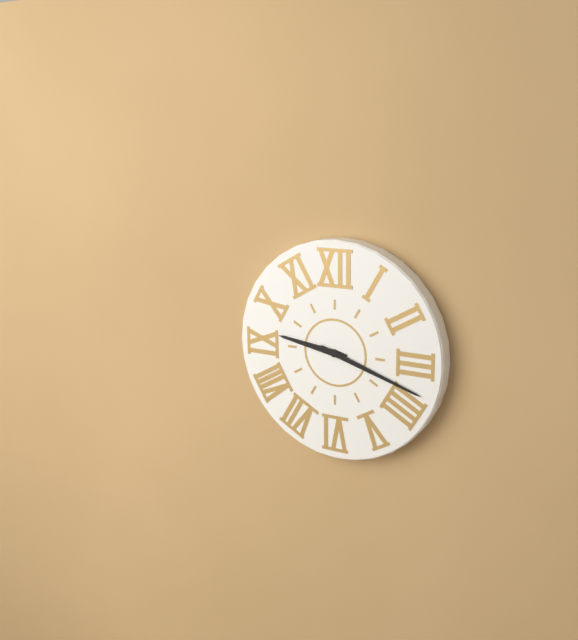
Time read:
h=9 m=18
